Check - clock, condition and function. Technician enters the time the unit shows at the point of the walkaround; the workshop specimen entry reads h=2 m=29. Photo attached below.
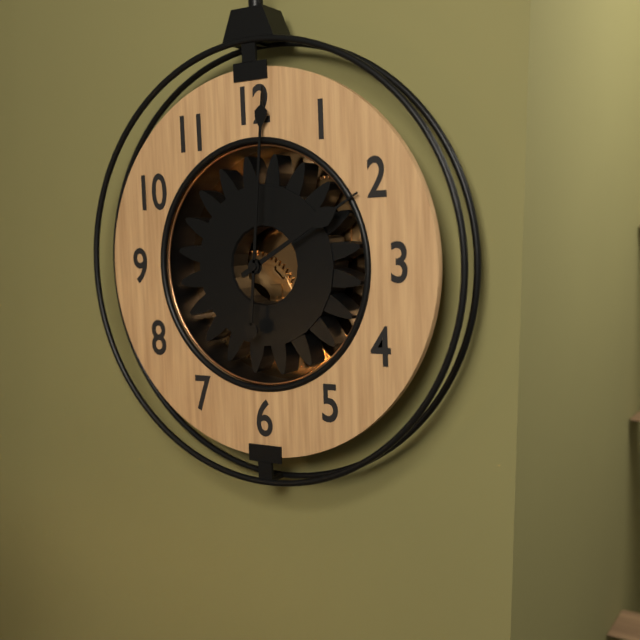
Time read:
h=2 m=1
